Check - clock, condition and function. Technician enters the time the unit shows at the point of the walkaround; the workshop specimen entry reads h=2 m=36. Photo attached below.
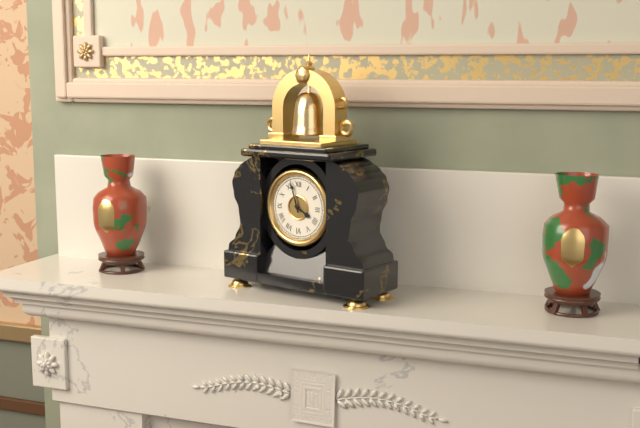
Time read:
h=3 m=57
